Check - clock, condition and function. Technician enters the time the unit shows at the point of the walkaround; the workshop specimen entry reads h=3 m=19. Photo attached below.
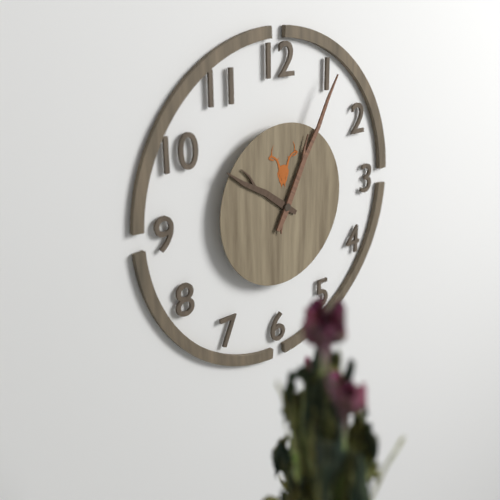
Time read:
h=10 m=5
